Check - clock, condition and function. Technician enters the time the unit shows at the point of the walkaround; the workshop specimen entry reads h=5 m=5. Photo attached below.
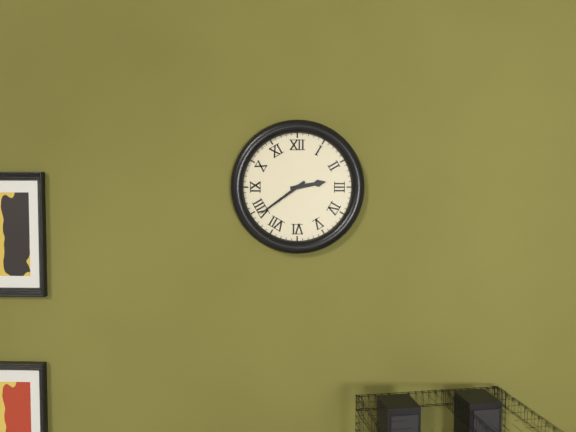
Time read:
h=2 m=39
